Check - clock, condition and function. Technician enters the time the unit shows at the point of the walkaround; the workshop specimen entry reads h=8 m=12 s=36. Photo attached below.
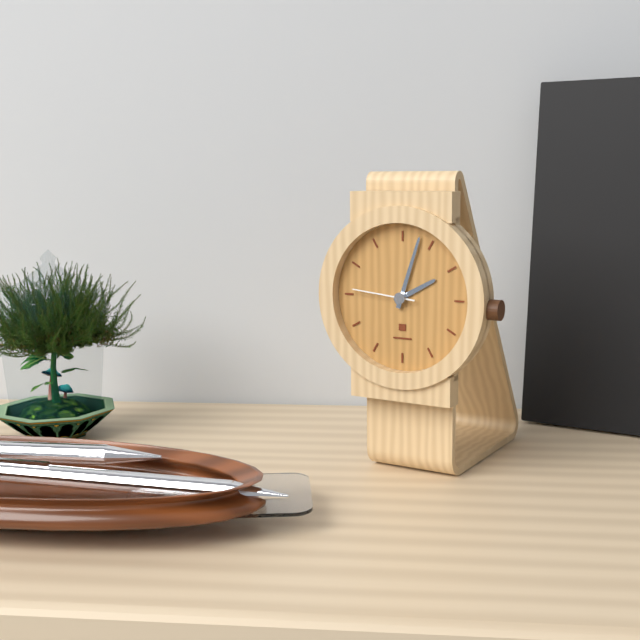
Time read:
h=2 m=3 s=46
